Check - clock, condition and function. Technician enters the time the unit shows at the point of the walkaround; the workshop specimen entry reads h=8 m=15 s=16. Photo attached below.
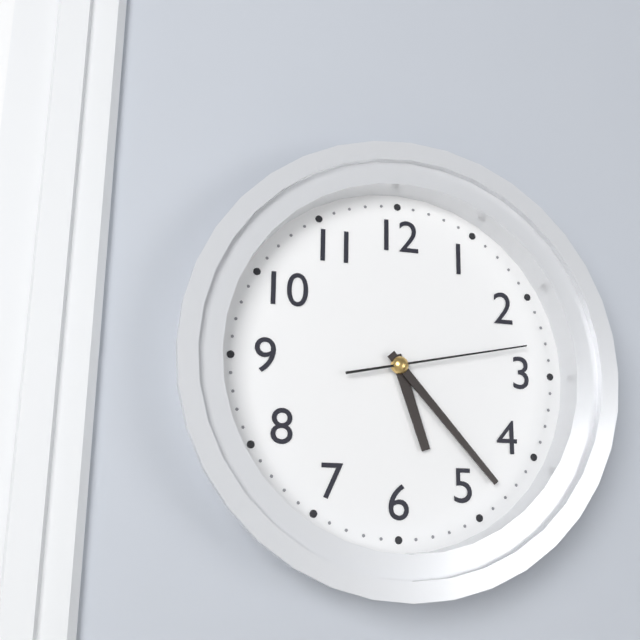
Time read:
h=5 m=23 s=13
